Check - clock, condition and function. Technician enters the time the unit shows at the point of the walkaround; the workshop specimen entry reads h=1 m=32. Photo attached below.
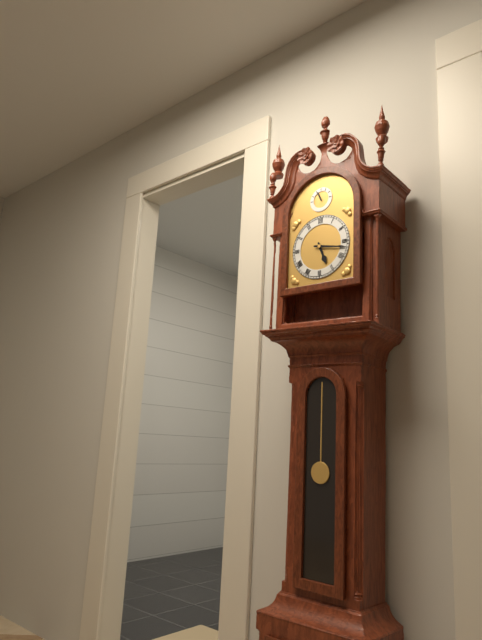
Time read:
h=5 m=17
